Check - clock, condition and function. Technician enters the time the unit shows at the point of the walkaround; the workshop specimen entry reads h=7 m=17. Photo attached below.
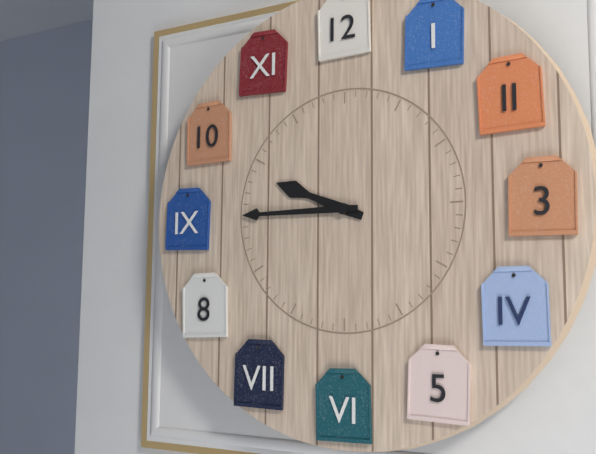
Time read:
h=9 m=45
